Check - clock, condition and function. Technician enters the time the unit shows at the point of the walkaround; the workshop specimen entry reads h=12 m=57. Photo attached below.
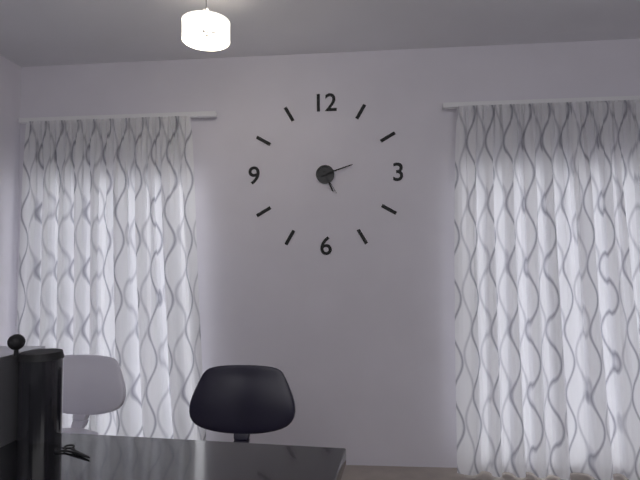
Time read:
h=5 m=12
